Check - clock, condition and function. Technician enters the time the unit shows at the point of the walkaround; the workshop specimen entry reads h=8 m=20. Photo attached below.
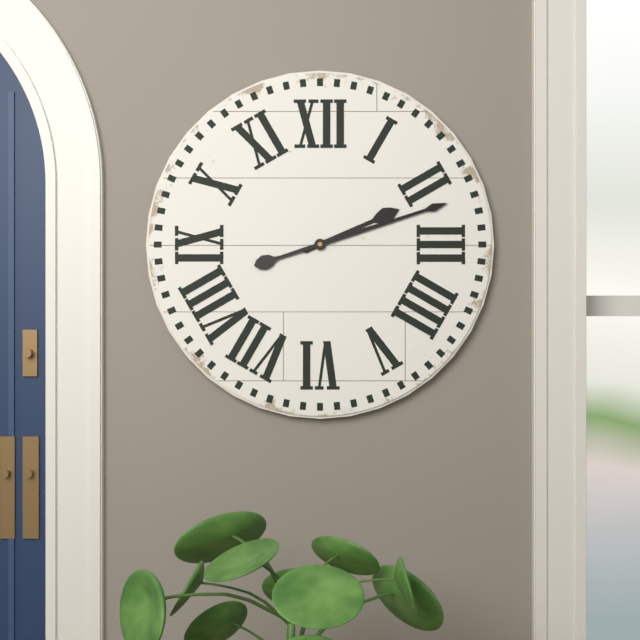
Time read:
h=2 m=12
